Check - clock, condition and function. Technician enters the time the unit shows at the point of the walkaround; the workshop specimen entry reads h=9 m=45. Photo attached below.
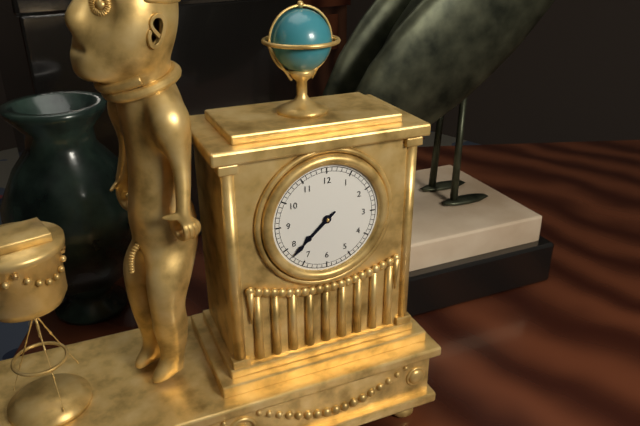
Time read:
h=7 m=38
